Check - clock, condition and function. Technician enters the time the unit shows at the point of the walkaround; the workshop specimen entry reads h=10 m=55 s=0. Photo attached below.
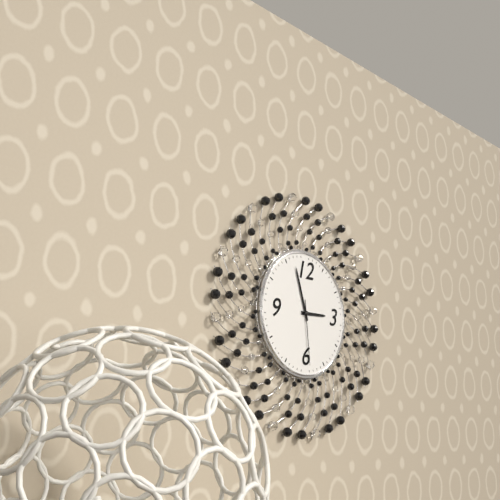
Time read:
h=2 m=57 s=29
